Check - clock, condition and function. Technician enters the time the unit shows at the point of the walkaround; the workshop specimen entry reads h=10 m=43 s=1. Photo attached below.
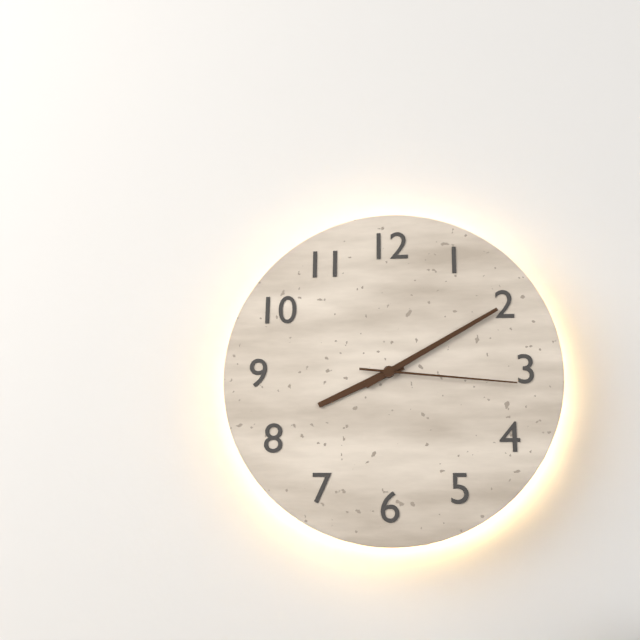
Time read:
h=8 m=10 s=16
